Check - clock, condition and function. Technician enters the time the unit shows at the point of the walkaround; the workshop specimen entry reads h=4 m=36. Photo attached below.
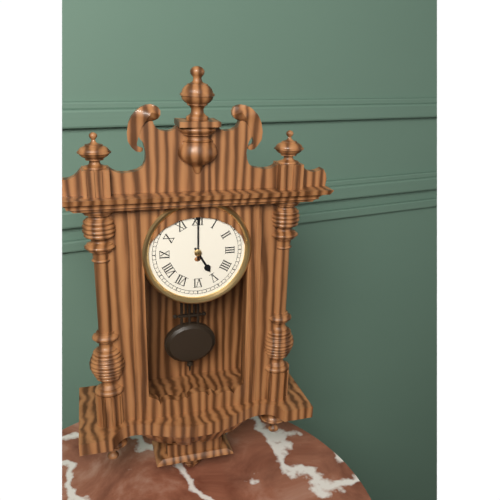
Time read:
h=5 m=0
